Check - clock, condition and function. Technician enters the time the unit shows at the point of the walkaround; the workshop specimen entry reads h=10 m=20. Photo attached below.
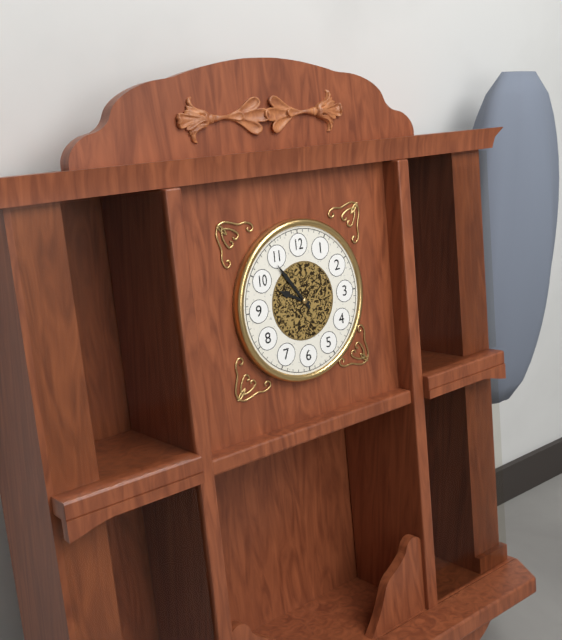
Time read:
h=9 m=54
